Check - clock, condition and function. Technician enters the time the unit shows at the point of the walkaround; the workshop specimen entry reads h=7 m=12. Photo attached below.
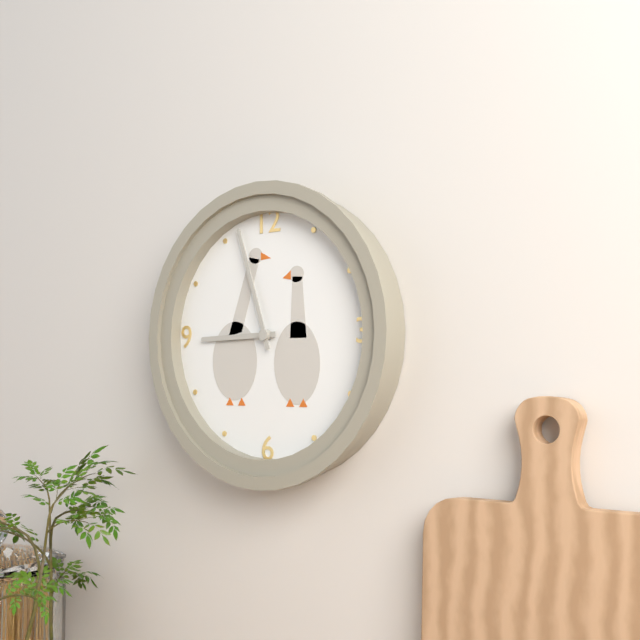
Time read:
h=8 m=57
